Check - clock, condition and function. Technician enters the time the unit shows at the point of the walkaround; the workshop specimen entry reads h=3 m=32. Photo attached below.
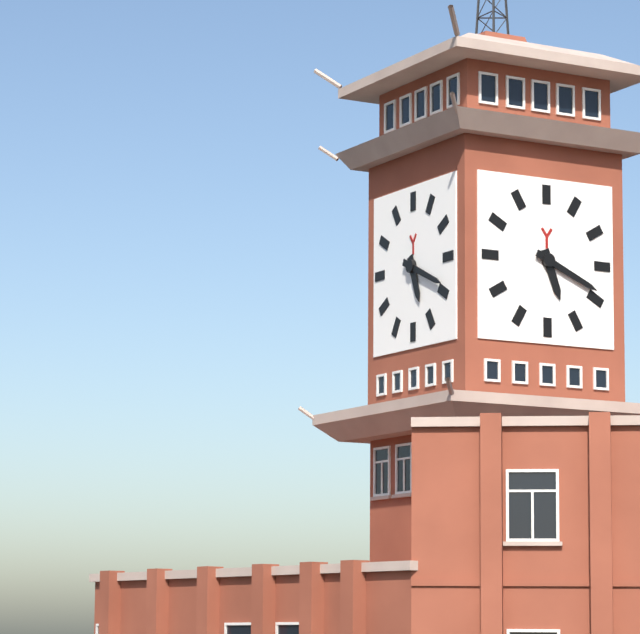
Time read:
h=5 m=19
